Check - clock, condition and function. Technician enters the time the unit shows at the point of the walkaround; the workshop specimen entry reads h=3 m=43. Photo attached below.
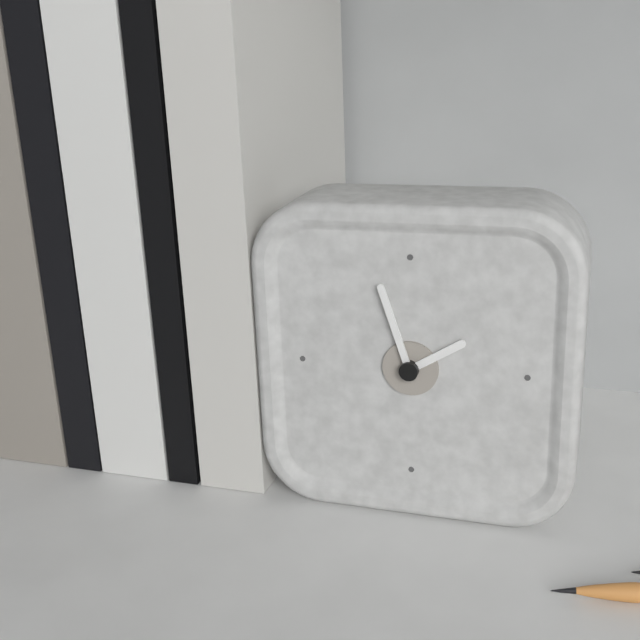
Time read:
h=1 m=57
